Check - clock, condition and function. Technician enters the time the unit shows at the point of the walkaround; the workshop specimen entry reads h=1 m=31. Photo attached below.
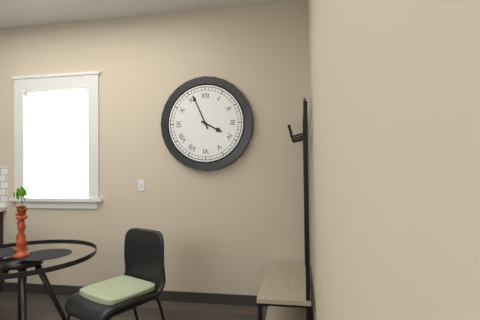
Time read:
h=3 m=56
